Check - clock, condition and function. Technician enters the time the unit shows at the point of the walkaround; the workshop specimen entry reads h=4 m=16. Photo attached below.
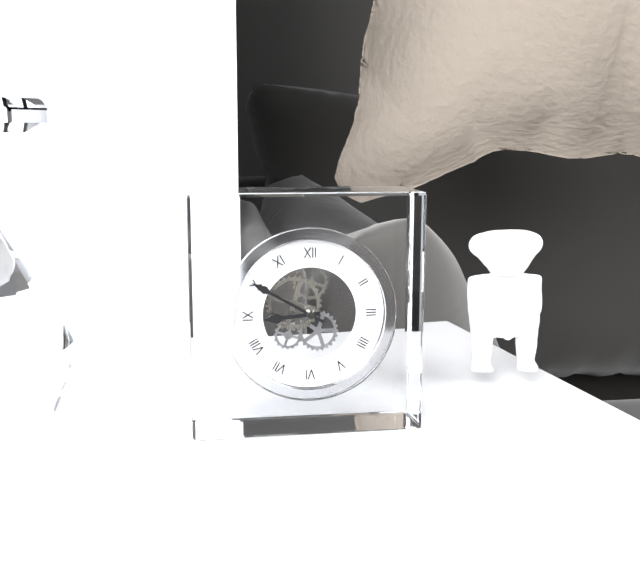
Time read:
h=8 m=50
